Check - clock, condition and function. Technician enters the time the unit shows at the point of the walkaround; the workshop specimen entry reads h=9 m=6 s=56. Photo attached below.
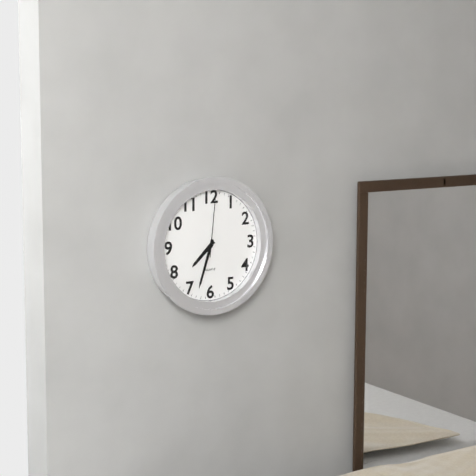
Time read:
h=7 m=33 s=1
